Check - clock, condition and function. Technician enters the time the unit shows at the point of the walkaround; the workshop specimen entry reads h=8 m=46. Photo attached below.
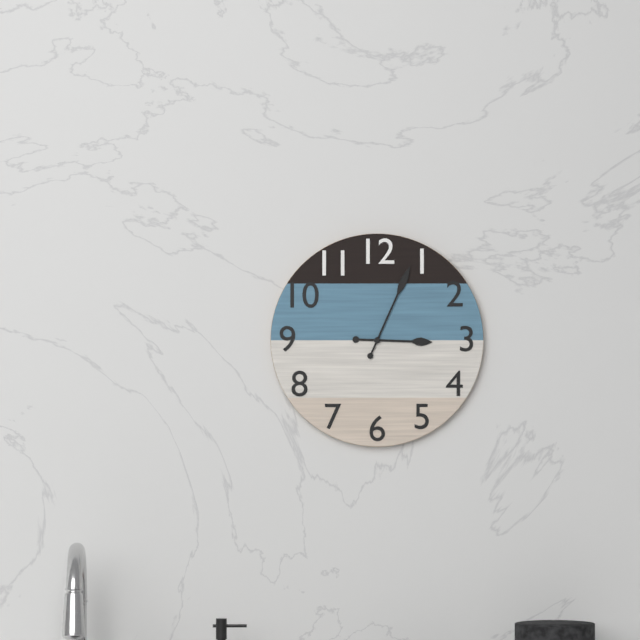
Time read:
h=3 m=4
